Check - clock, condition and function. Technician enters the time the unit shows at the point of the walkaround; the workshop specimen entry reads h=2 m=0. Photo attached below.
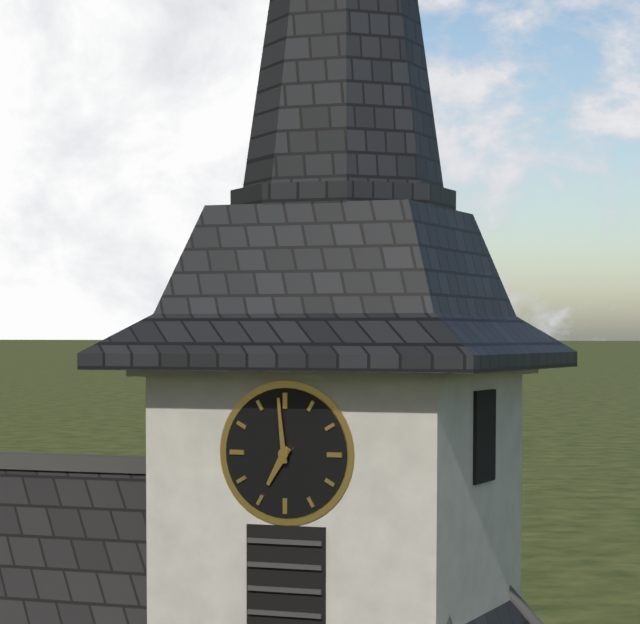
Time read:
h=6 m=59
